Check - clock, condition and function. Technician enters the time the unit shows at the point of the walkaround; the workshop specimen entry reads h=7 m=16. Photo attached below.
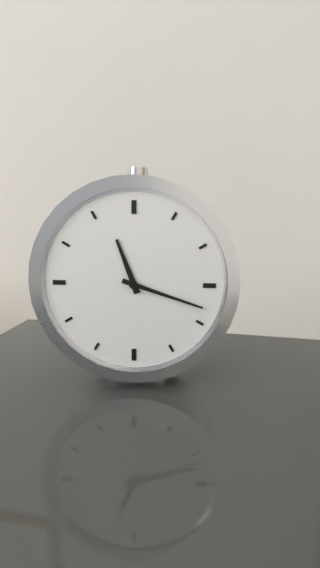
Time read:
h=11 m=18
